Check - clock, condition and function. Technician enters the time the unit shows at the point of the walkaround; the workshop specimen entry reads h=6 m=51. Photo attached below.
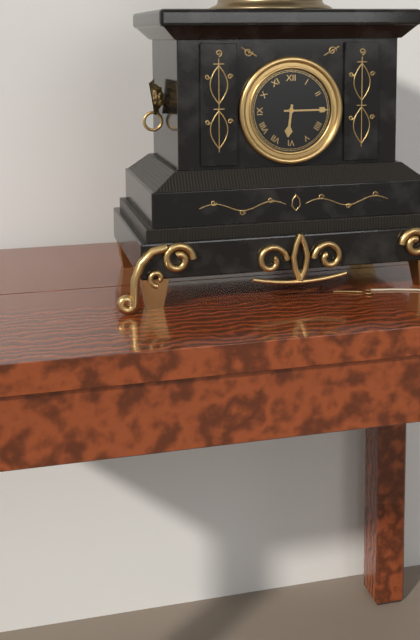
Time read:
h=6 m=15
